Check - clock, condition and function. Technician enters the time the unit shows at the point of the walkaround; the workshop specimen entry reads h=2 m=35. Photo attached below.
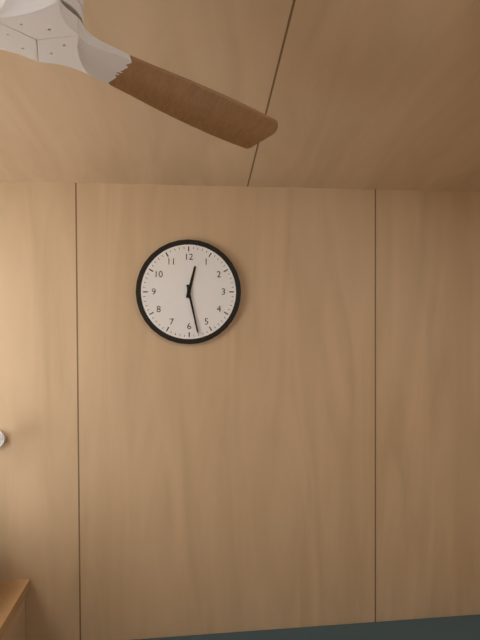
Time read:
h=12 m=28
